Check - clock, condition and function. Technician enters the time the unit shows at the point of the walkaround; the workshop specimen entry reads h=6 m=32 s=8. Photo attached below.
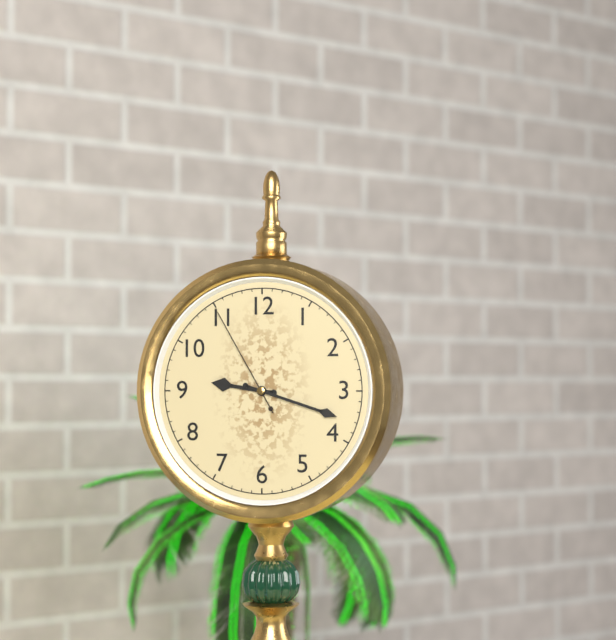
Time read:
h=9 m=18 s=55
